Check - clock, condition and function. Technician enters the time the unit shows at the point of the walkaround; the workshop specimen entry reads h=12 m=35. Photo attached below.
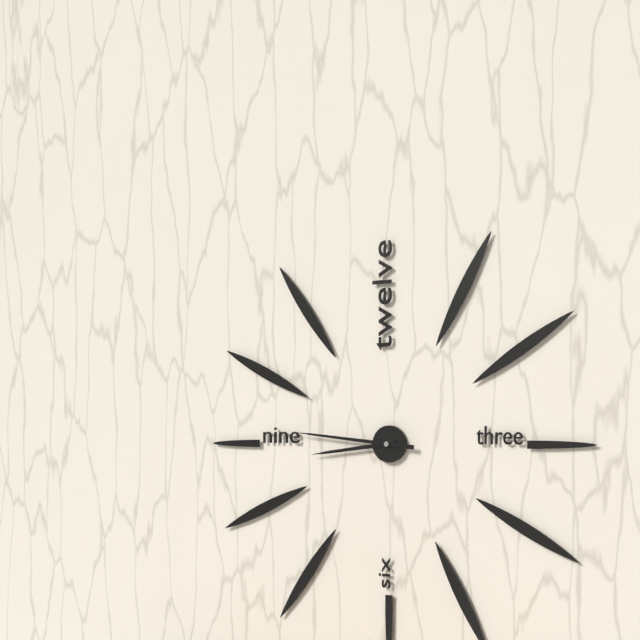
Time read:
h=8 m=46
